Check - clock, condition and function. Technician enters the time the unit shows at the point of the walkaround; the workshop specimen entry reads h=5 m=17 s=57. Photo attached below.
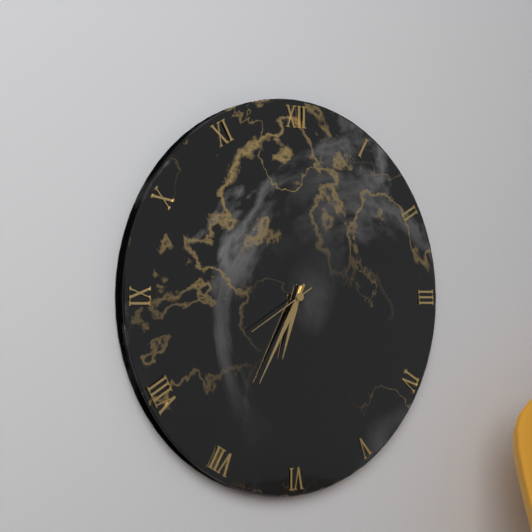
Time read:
h=6 m=35 s=40
